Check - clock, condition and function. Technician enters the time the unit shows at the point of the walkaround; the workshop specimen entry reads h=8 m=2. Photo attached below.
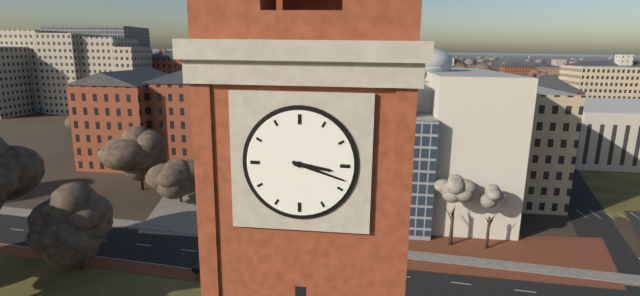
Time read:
h=3 m=18
